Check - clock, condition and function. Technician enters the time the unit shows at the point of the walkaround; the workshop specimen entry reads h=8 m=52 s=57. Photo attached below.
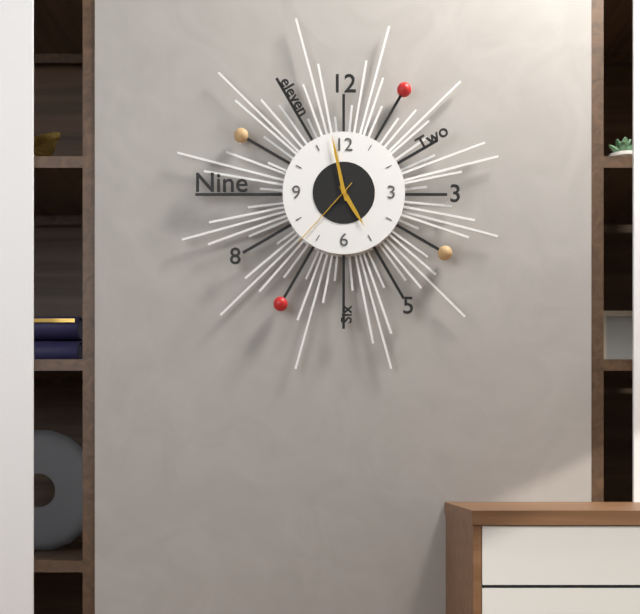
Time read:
h=4 m=58 s=37
